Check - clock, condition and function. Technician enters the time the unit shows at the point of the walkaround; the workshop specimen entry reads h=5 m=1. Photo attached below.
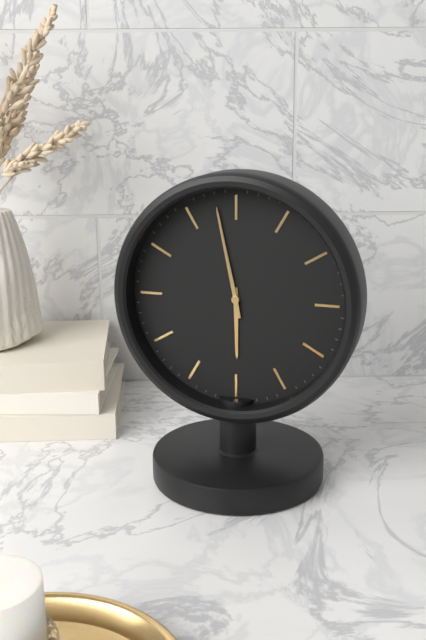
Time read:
h=5 m=58
